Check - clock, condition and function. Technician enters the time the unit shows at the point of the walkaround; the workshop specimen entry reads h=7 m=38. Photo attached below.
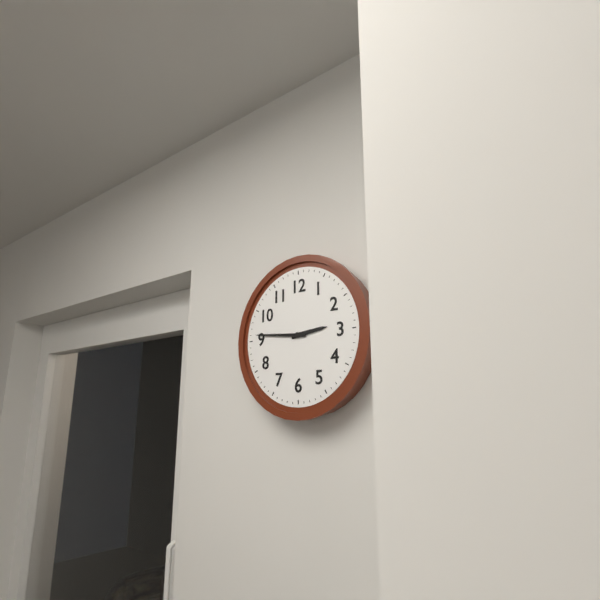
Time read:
h=2 m=46
